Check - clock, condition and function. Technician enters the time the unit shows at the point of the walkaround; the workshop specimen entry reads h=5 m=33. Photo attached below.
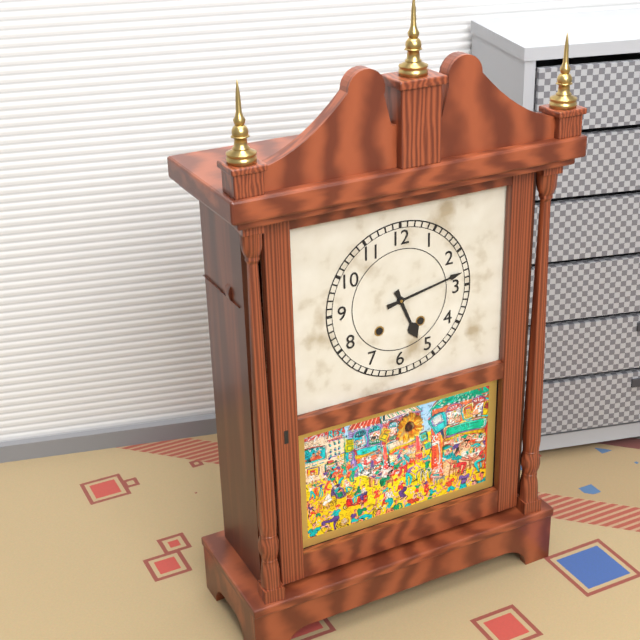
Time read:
h=5 m=13
